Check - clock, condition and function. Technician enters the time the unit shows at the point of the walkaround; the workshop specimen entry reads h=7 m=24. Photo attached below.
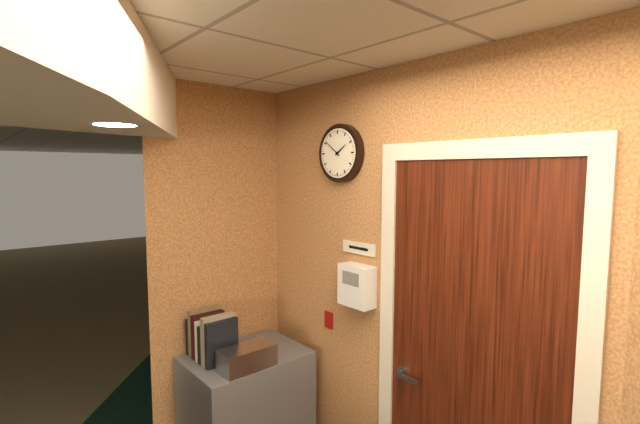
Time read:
h=1 m=51
